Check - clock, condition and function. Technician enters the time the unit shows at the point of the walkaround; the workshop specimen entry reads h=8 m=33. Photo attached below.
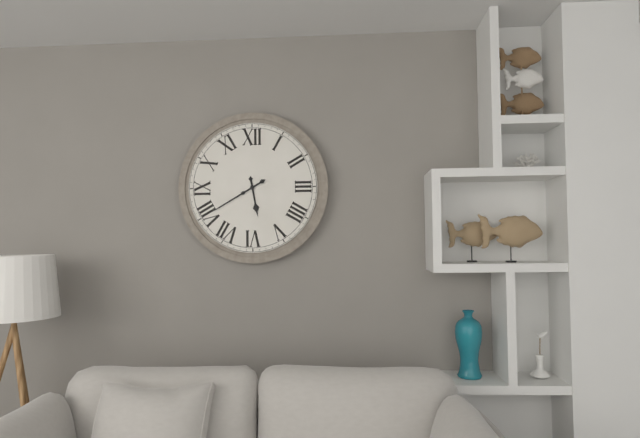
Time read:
h=5 m=40
